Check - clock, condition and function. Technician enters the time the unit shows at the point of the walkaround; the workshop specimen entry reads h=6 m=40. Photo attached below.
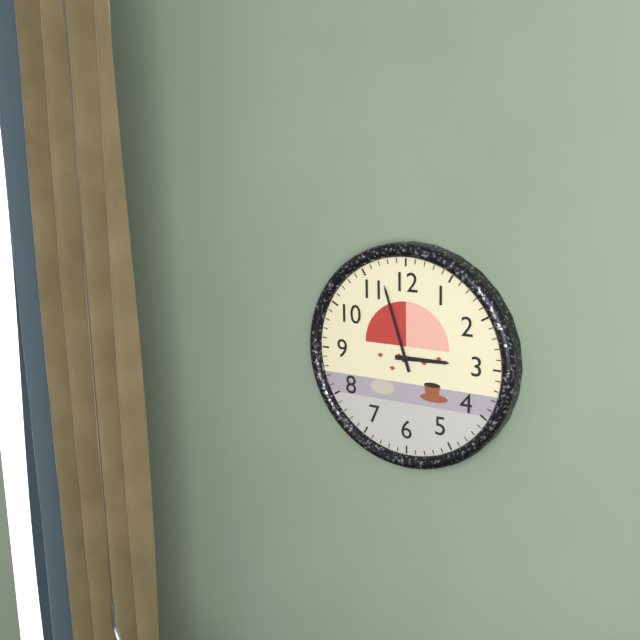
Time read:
h=2 m=57
